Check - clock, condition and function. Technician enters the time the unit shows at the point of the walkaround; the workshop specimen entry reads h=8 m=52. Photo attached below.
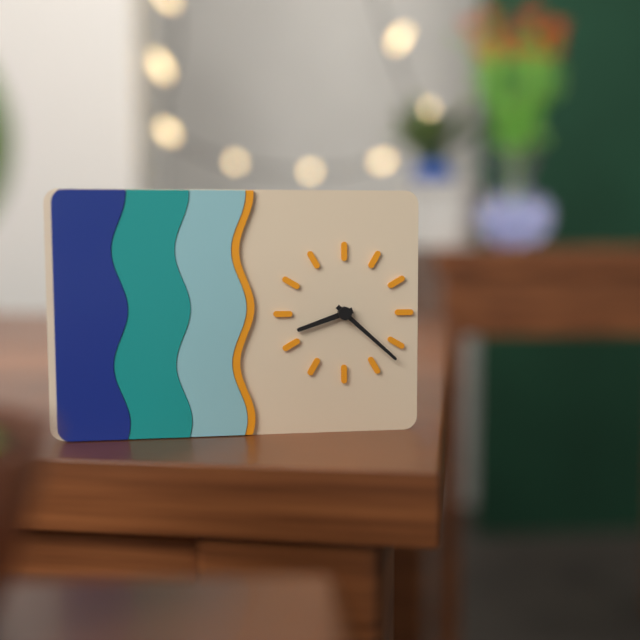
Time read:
h=8 m=22
